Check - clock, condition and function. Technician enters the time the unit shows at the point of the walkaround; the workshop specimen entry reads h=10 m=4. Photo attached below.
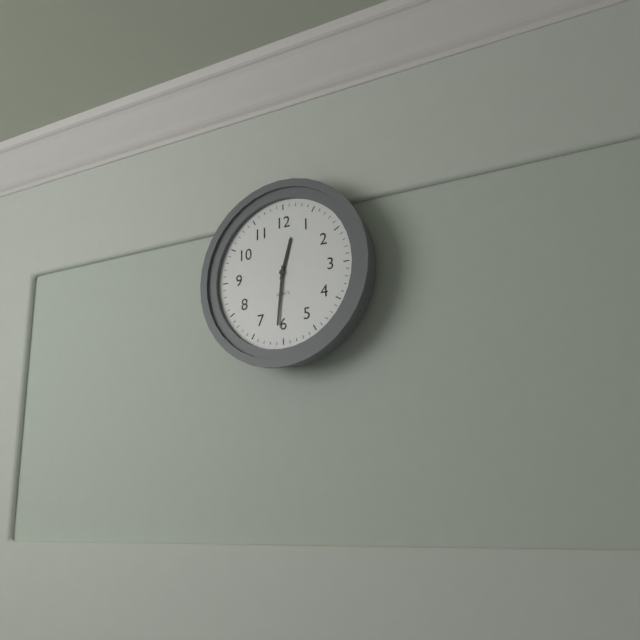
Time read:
h=12 m=31
